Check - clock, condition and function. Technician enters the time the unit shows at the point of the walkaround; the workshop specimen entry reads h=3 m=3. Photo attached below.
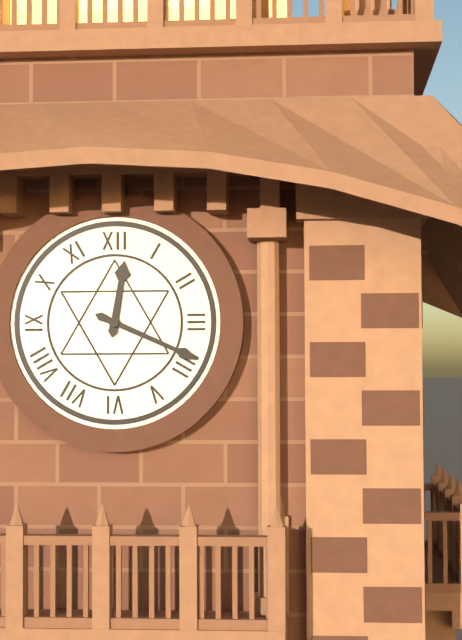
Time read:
h=12 m=19
